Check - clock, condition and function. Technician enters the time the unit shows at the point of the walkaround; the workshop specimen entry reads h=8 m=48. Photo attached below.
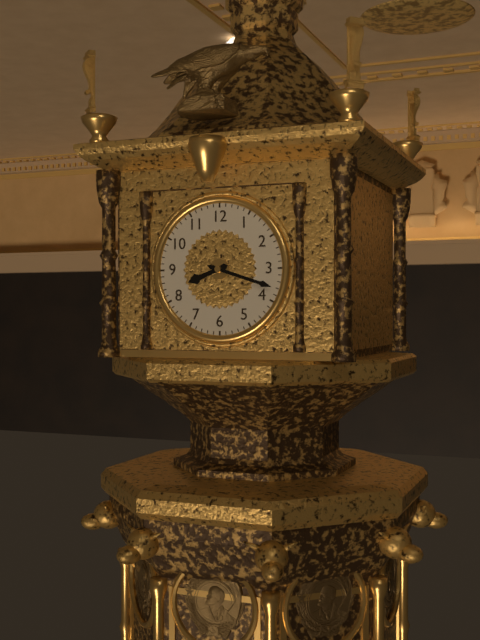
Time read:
h=8 m=18
